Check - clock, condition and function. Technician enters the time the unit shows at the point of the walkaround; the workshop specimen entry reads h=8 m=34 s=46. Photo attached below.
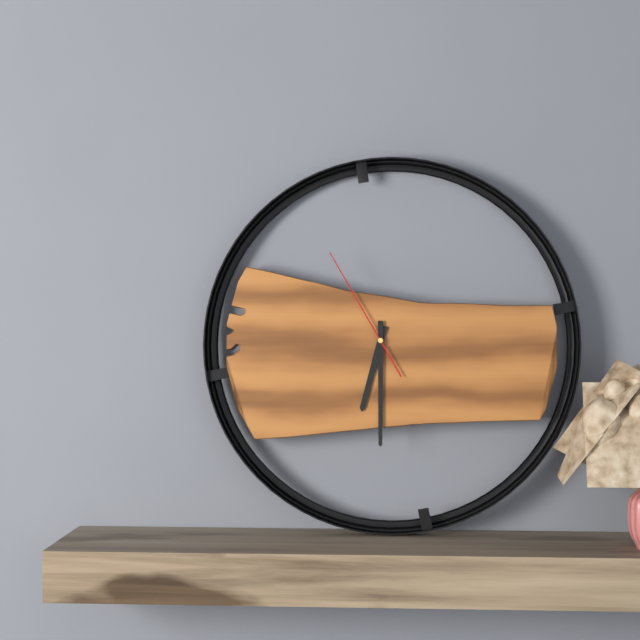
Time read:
h=6 m=30 s=55
